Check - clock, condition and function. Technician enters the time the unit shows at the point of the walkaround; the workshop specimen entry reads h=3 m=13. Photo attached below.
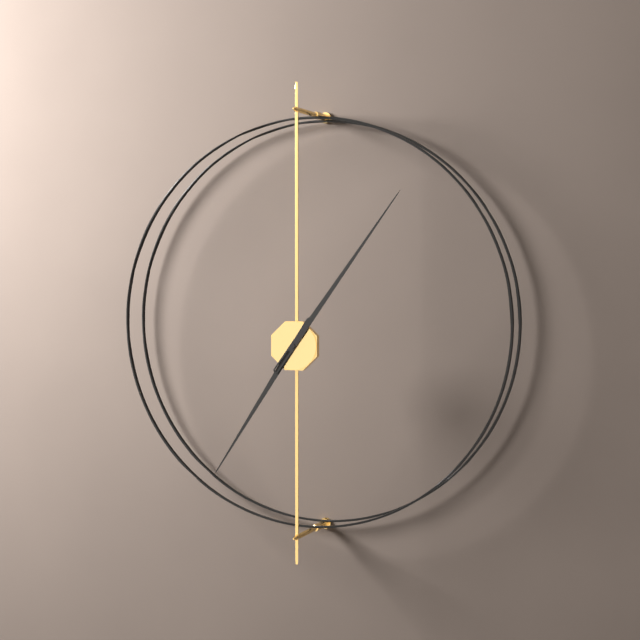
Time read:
h=7 m=6
